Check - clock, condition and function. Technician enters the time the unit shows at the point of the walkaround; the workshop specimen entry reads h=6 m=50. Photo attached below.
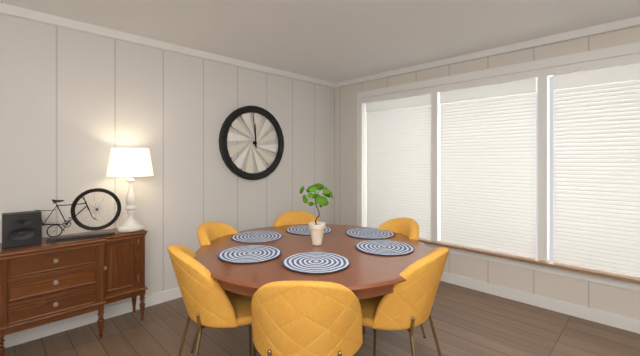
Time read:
h=11 m=59
